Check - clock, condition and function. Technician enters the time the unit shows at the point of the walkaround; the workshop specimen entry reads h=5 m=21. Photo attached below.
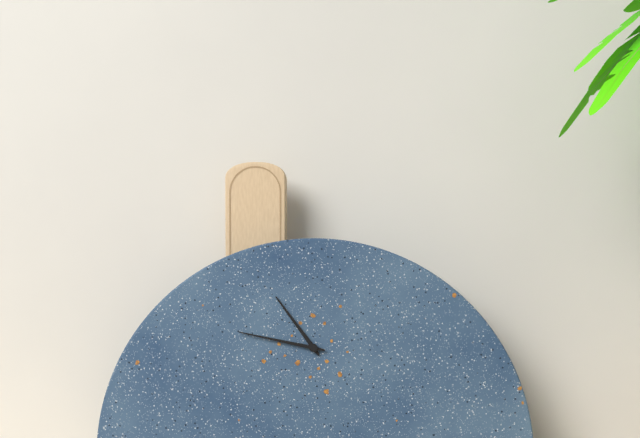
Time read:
h=10 m=47
